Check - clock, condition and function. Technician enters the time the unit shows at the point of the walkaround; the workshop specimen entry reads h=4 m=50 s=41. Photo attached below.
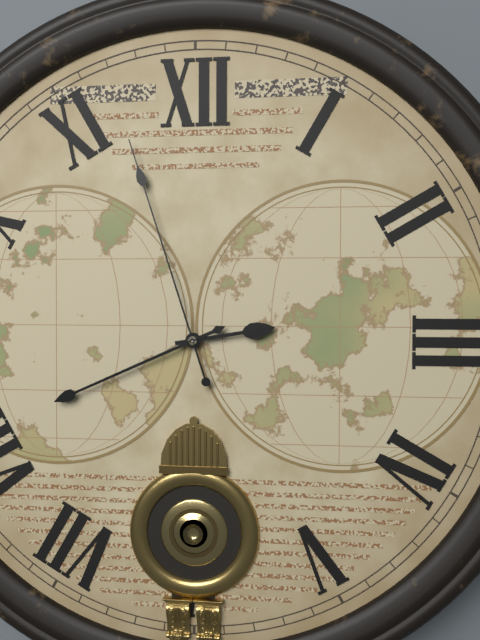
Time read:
h=2 m=41 s=57
